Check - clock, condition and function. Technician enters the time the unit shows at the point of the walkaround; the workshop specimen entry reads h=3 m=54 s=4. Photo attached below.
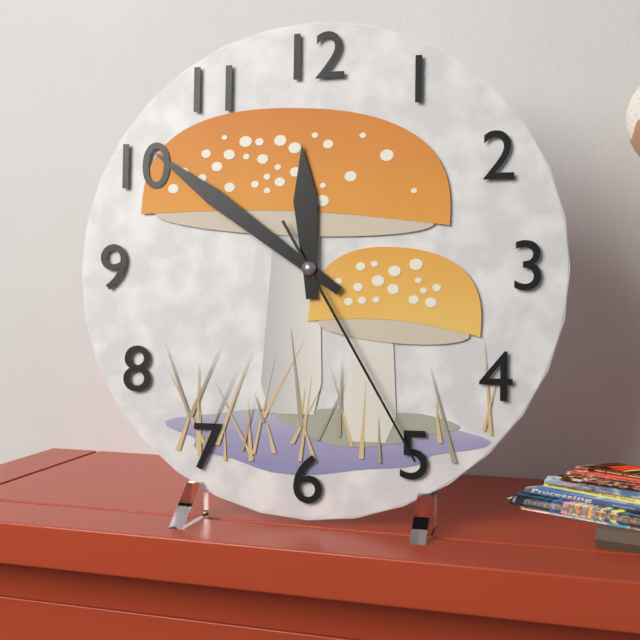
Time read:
h=11 m=51 s=25
